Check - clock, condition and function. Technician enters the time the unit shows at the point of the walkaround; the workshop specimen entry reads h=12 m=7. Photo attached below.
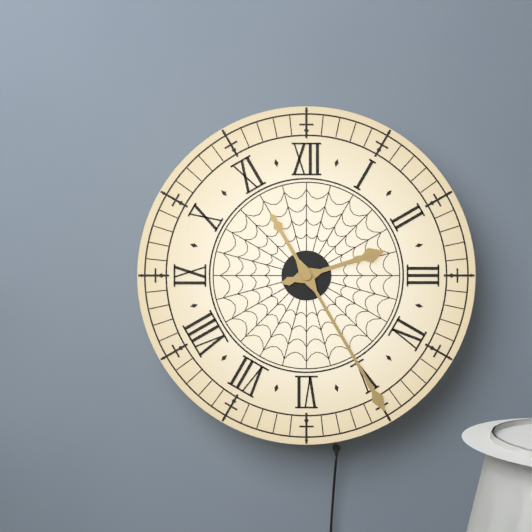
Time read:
h=2 m=25
